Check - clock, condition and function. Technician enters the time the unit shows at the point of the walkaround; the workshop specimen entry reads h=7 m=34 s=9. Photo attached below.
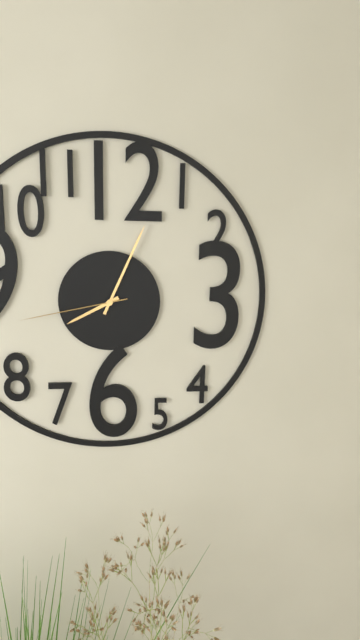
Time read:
h=8 m=4 s=43
